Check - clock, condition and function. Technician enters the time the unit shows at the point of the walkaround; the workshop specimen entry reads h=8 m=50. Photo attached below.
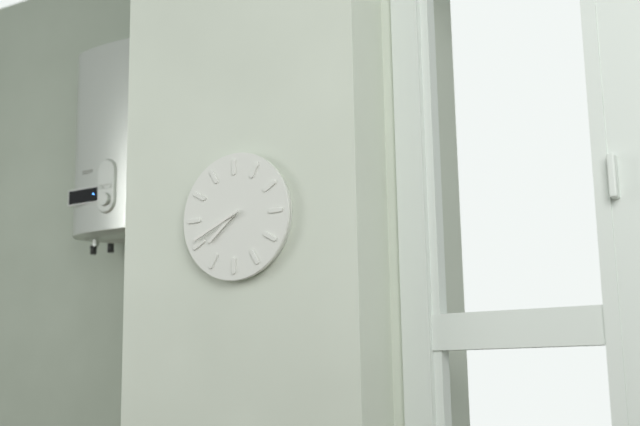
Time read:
h=7 m=41
